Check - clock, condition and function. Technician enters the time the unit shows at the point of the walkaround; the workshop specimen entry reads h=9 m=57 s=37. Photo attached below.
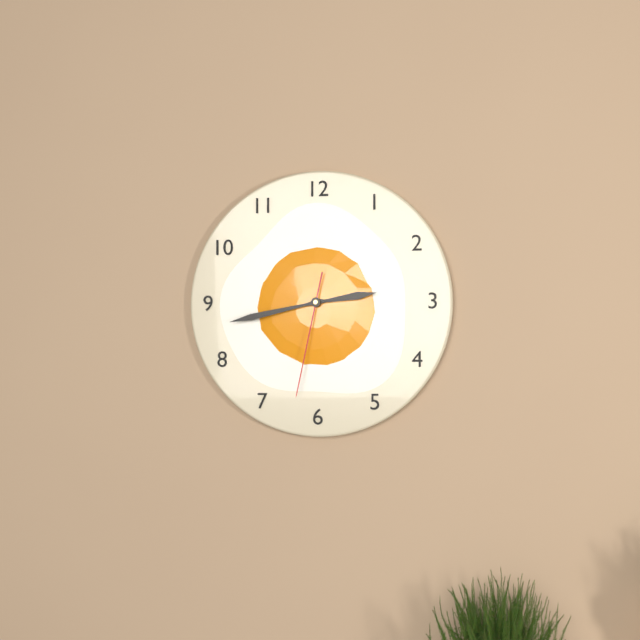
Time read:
h=2 m=43 s=32
